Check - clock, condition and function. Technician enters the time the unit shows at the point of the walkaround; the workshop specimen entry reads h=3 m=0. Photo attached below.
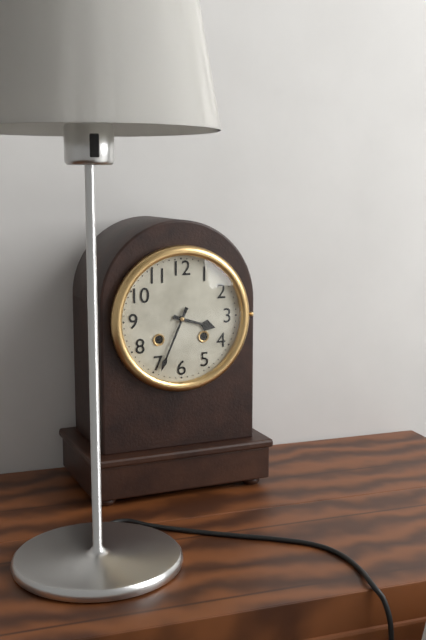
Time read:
h=3 m=34
